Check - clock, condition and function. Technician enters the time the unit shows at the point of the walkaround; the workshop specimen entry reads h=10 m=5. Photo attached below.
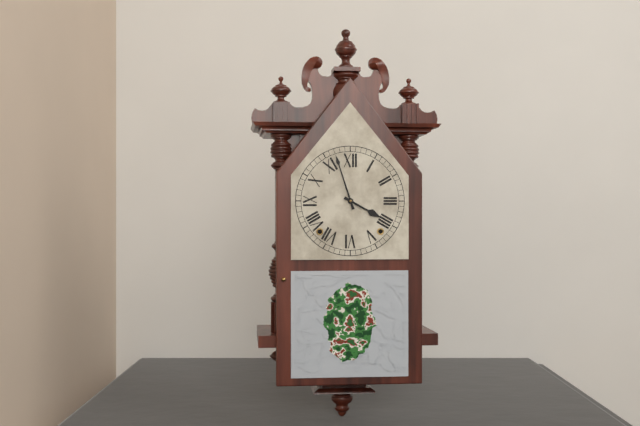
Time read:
h=3 m=57
